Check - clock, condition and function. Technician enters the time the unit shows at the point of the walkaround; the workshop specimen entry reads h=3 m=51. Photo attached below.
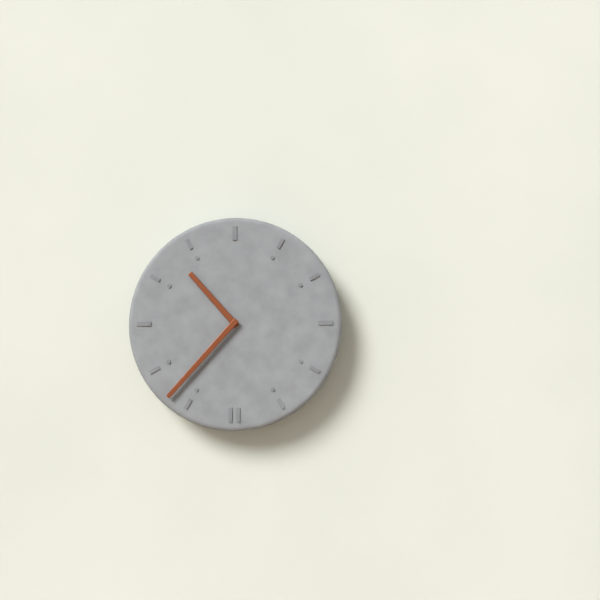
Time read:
h=10 m=37
